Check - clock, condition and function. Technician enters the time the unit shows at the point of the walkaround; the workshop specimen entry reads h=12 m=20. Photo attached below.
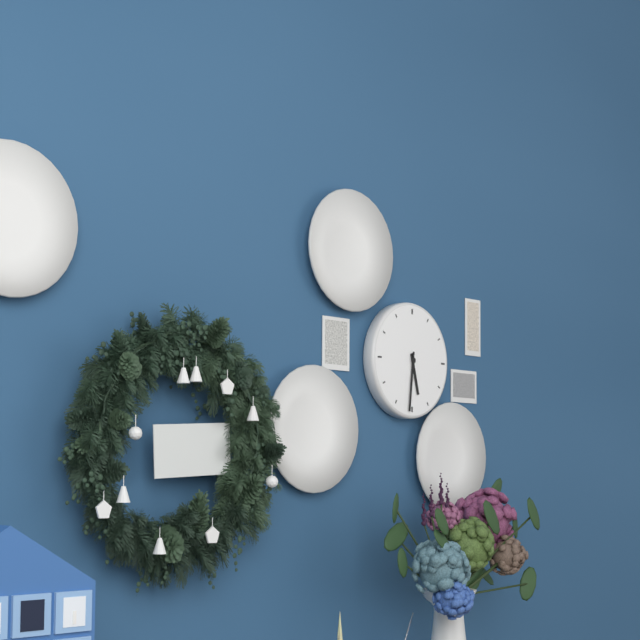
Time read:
h=5 m=31
